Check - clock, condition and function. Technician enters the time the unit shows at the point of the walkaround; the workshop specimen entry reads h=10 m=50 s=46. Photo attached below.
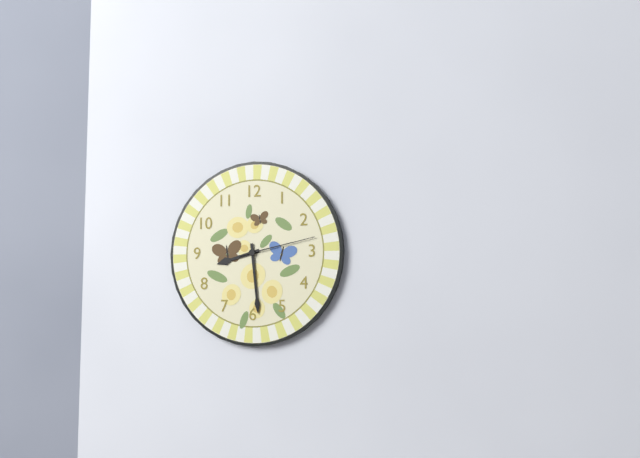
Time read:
h=8 m=29 s=13
